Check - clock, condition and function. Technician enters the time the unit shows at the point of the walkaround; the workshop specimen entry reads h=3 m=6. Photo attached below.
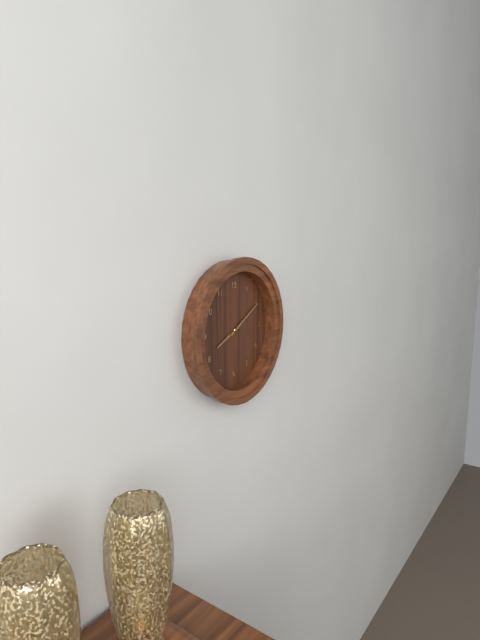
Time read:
h=8 m=10
